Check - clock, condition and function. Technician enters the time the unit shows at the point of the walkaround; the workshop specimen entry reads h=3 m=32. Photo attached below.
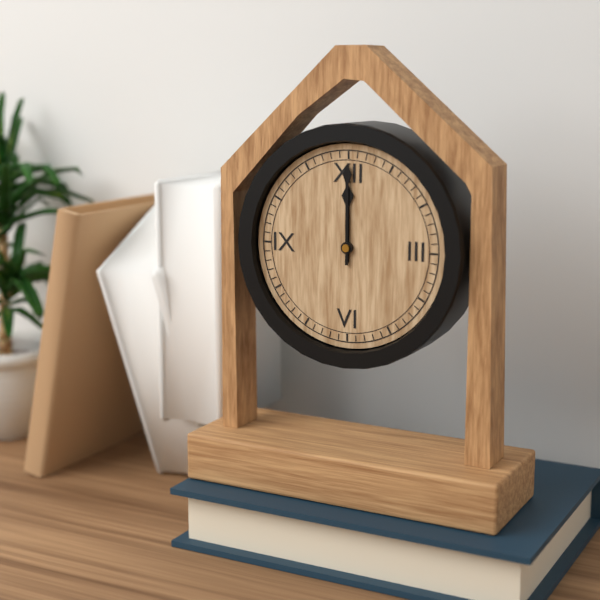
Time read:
h=12 m=0
